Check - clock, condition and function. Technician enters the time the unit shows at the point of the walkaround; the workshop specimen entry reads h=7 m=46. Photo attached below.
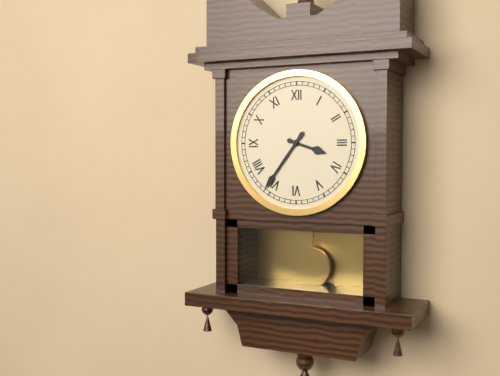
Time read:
h=3 m=36
